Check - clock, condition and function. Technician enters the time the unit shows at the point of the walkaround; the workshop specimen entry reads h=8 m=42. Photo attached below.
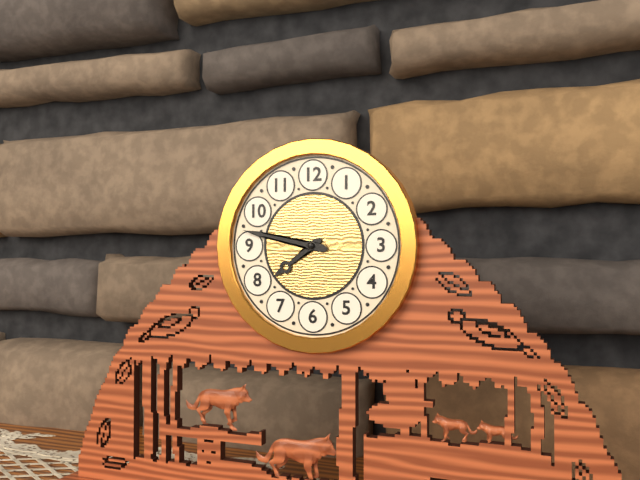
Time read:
h=7 m=47
